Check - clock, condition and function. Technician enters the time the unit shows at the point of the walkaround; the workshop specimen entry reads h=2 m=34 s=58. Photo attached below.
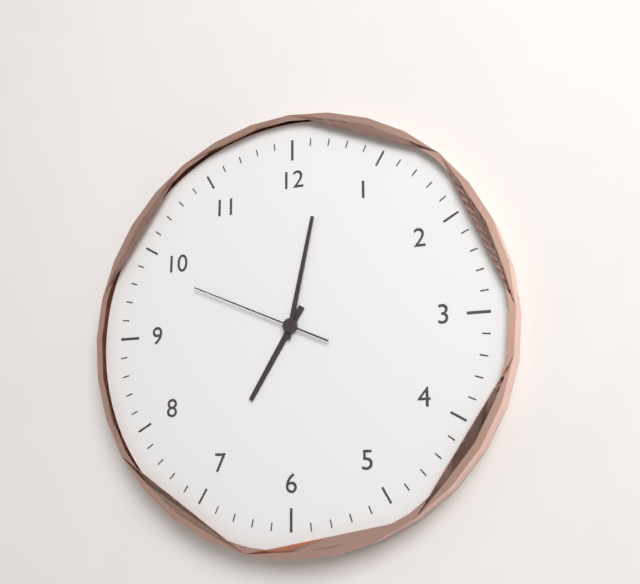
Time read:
h=7 m=2 s=49
